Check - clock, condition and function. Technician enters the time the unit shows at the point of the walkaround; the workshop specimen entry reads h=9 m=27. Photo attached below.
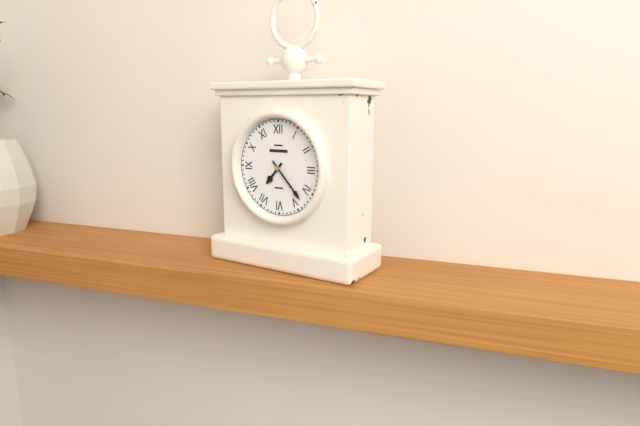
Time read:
h=7 m=23
